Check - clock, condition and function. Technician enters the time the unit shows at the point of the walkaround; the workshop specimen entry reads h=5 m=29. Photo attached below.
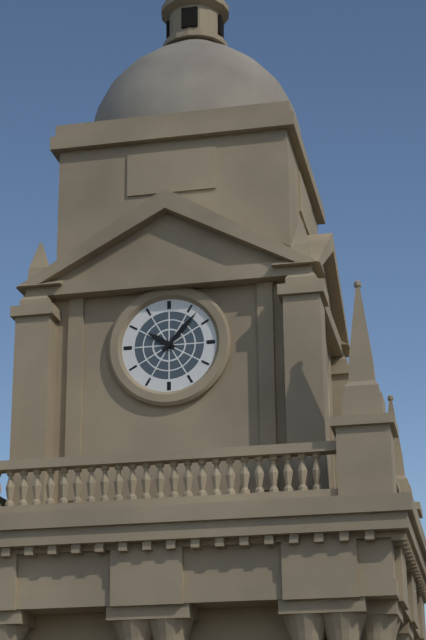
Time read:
h=10 m=7
